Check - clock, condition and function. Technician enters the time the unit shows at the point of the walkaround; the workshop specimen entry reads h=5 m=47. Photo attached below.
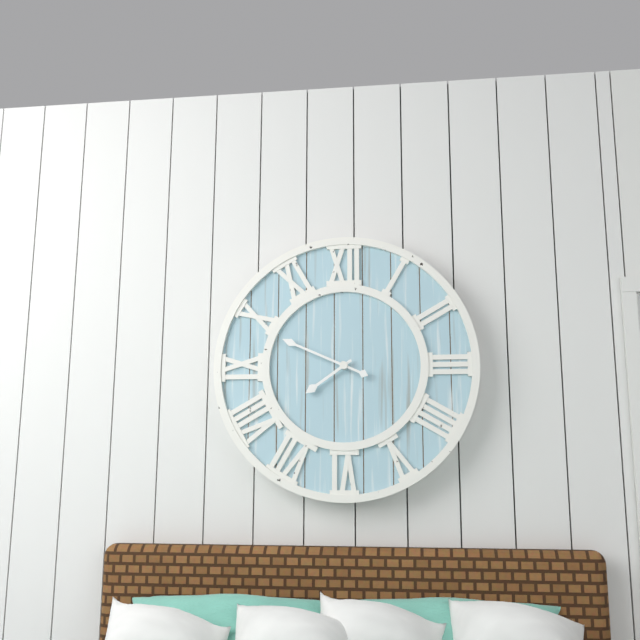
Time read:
h=7 m=49
